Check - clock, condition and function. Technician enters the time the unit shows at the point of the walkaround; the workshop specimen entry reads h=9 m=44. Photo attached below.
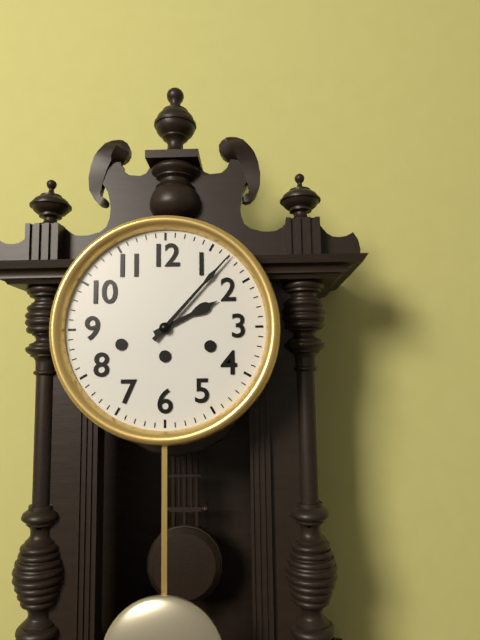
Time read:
h=2 m=7
